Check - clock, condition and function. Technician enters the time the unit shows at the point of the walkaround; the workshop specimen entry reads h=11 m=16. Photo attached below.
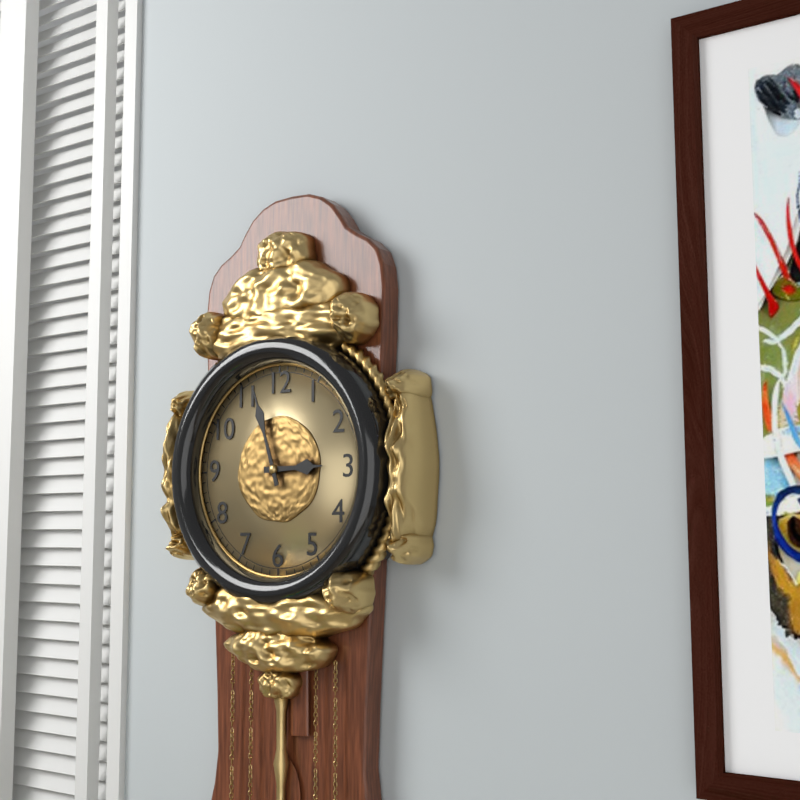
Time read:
h=2 m=57
